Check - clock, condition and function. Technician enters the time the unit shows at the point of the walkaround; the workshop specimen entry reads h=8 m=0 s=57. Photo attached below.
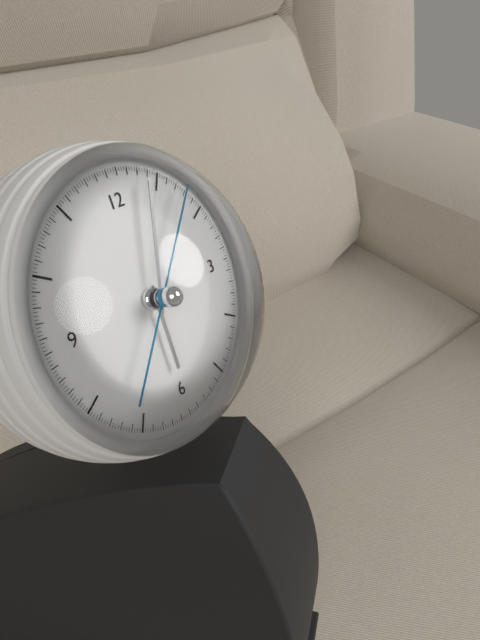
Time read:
h=6 m=3 s=7
